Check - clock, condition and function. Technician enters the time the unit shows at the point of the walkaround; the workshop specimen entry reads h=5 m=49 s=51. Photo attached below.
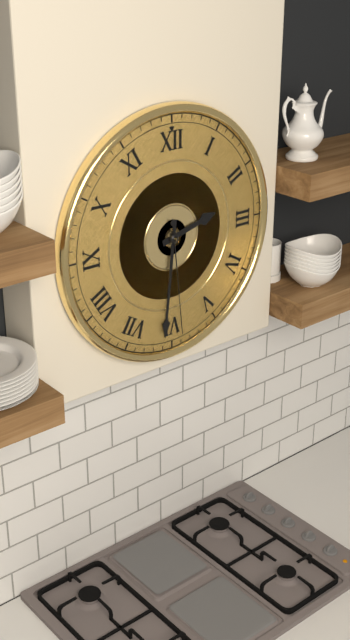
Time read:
h=2 m=31 s=29
